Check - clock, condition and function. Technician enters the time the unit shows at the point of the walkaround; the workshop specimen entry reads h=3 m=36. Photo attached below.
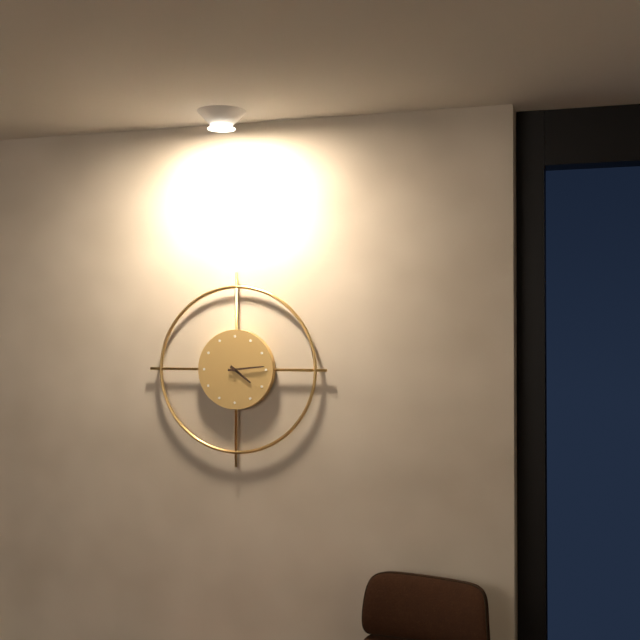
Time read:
h=4 m=14
